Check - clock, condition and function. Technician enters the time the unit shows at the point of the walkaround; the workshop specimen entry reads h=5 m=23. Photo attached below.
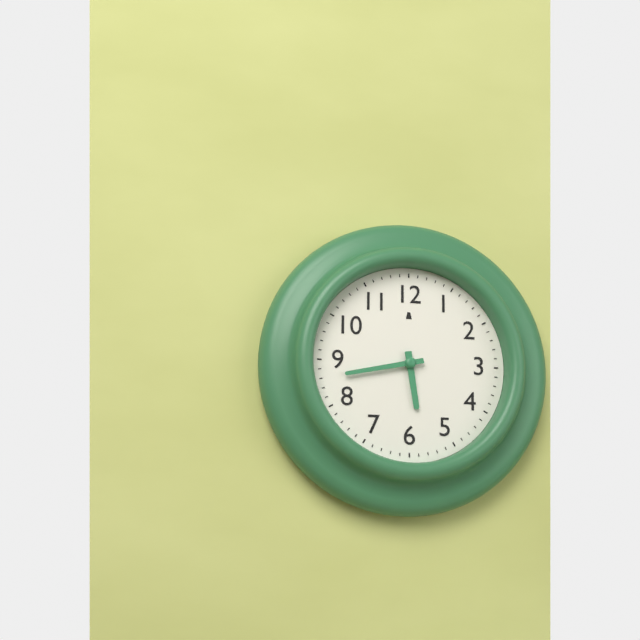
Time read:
h=5 m=43
